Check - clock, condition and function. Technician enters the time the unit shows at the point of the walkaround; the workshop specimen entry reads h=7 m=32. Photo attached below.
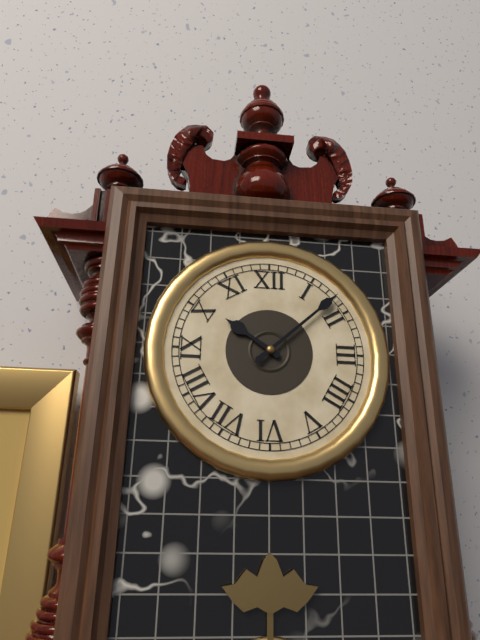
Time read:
h=10 m=8
